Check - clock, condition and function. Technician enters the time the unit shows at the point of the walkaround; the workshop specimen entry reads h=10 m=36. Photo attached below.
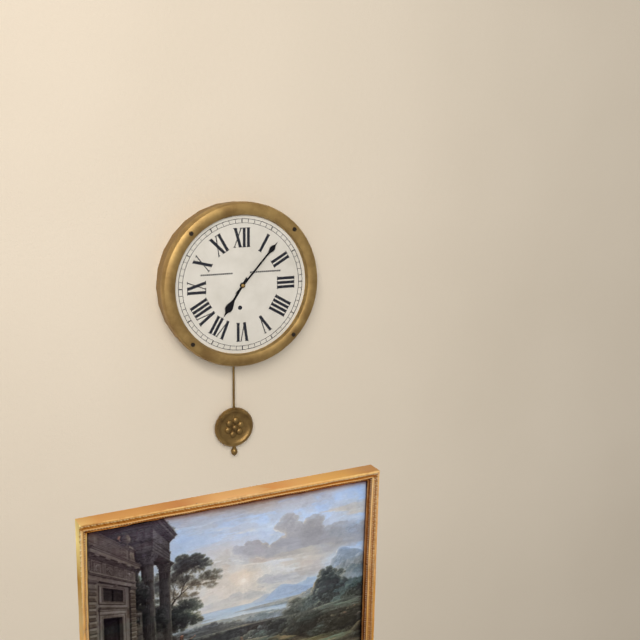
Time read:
h=7 m=7
